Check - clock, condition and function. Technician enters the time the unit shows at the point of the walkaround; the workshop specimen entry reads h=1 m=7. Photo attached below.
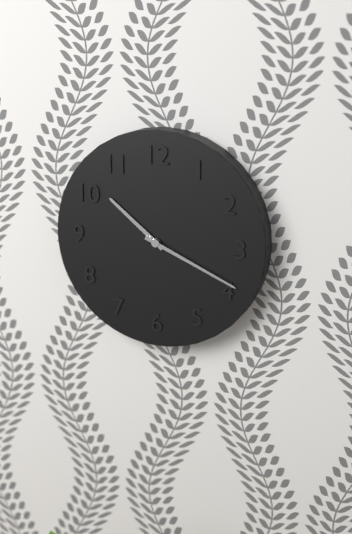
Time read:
h=10 m=19
